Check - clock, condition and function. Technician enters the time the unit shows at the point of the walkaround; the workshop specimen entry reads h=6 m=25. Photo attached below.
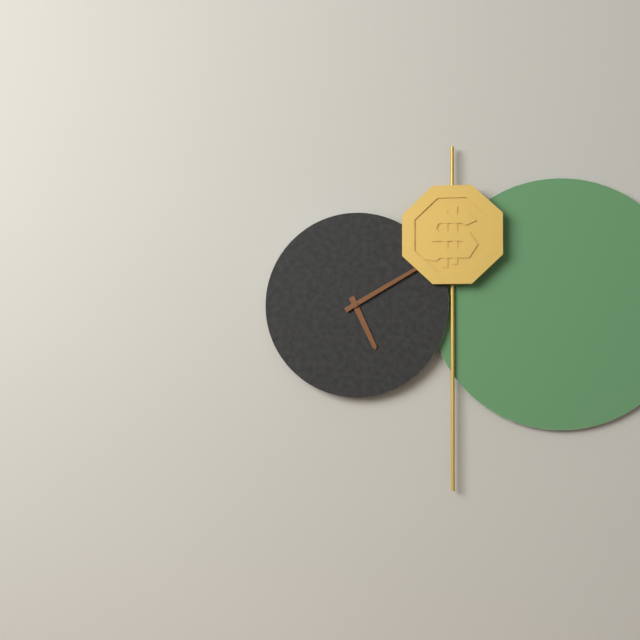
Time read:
h=5 m=10
